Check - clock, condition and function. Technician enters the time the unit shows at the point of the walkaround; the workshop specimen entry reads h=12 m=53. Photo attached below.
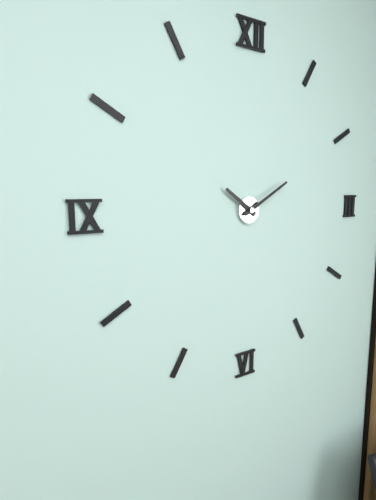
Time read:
h=10 m=10
